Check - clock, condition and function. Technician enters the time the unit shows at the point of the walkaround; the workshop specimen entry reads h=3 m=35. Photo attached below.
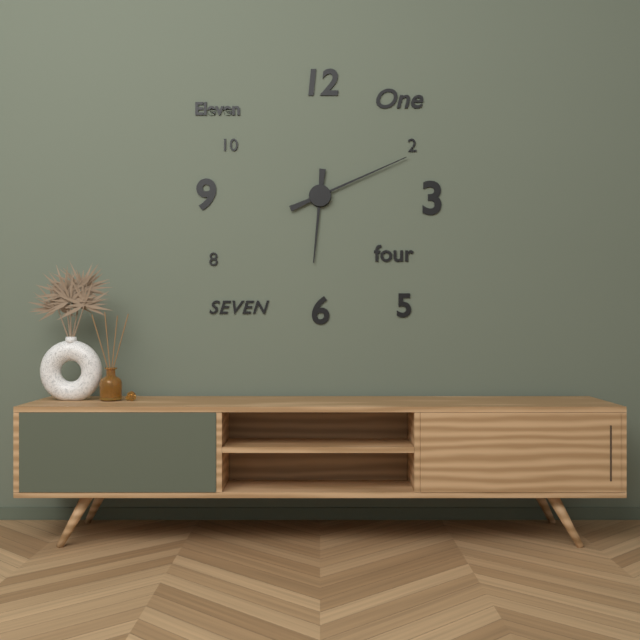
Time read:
h=6 m=11
